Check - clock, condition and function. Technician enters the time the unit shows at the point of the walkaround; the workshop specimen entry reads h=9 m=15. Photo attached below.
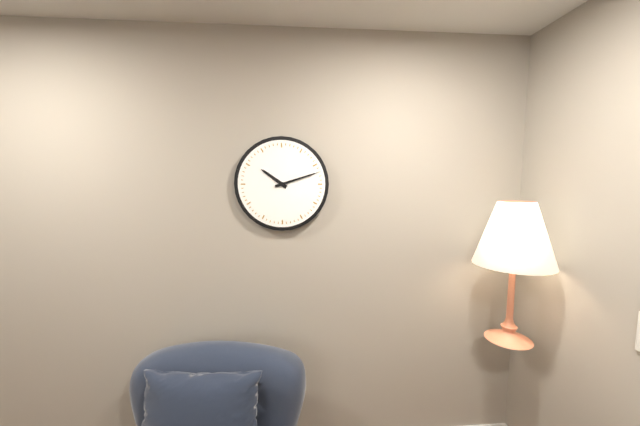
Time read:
h=10 m=12
